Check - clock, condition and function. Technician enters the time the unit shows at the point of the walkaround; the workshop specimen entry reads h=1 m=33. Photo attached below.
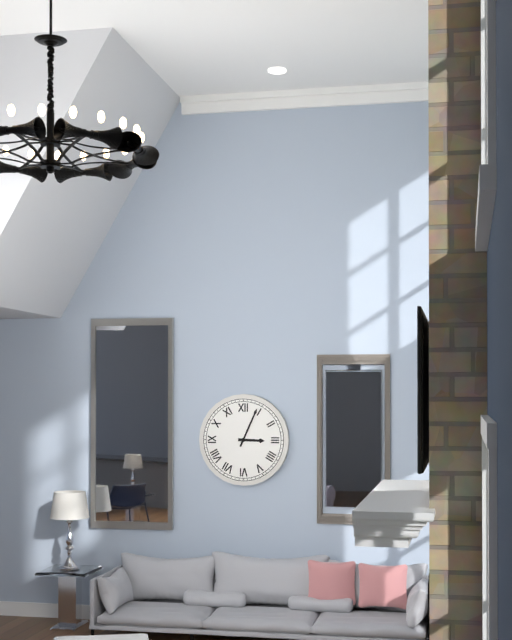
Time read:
h=3 m=4
